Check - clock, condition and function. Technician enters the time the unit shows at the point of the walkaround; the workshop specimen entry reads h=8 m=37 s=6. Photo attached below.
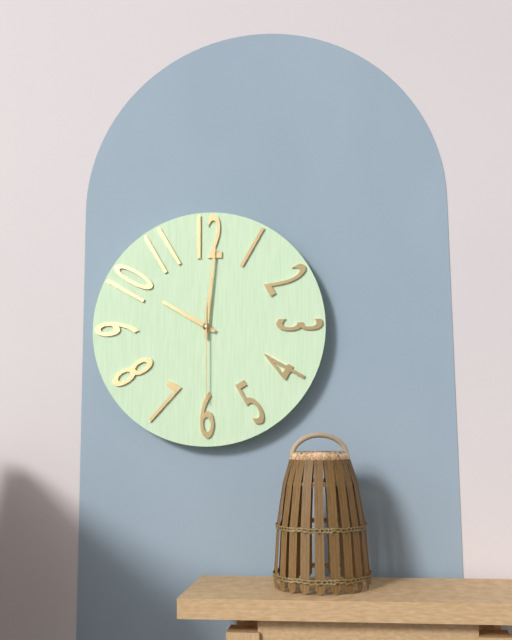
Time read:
h=10 m=1 s=30
